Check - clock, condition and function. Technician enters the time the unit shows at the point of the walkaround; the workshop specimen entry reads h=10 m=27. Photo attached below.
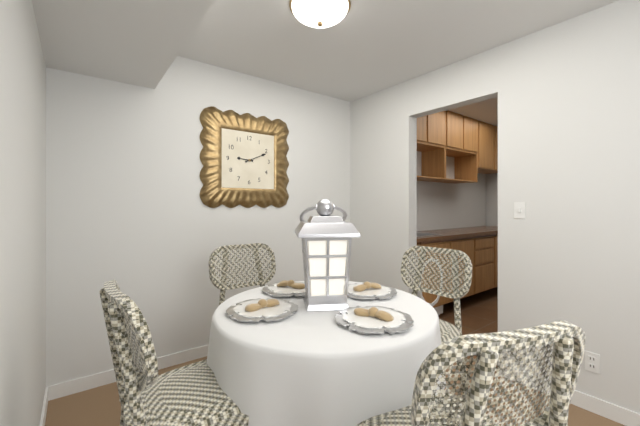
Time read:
h=9 m=11
